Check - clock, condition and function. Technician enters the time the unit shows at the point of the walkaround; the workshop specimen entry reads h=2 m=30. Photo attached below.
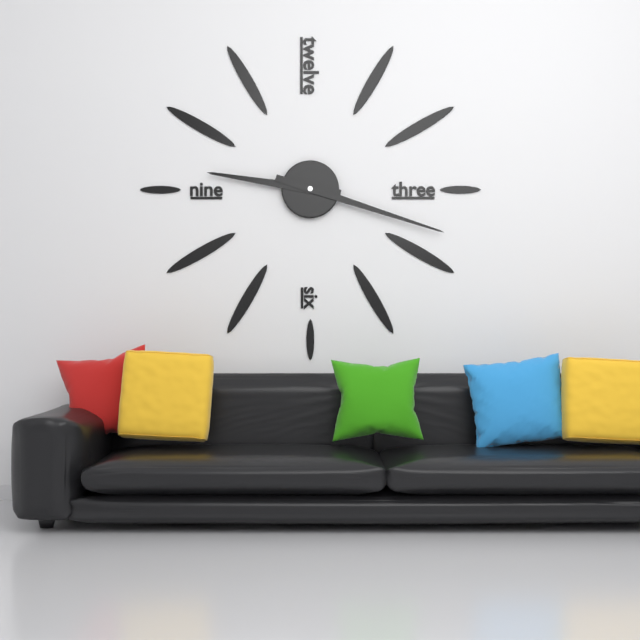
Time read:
h=9 m=18
